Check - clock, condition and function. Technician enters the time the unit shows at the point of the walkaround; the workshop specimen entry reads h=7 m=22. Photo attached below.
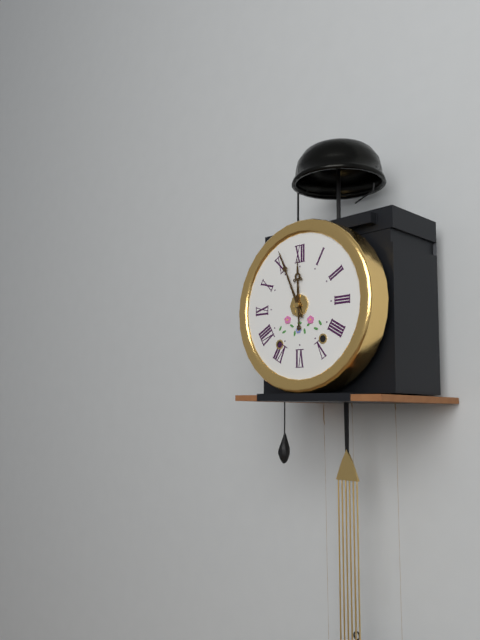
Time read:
h=11 m=56
